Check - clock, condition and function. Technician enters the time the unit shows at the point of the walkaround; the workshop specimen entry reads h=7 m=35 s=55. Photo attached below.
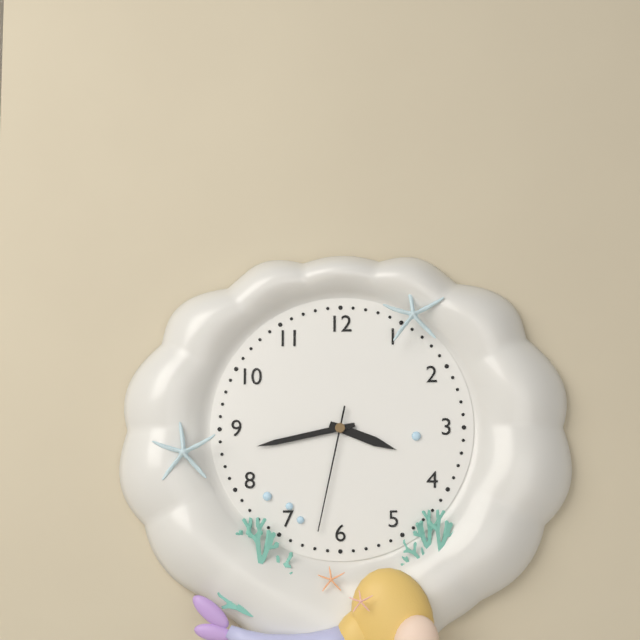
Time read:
h=3 m=43 s=32
